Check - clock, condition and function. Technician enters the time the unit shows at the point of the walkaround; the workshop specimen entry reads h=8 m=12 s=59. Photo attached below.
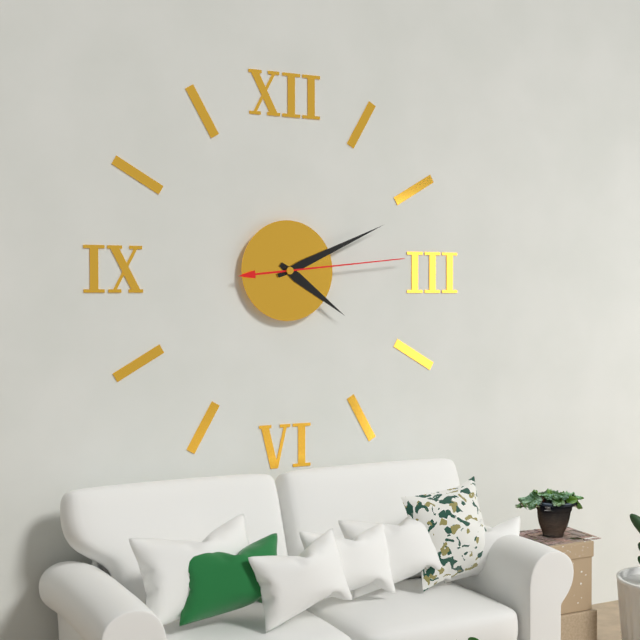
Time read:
h=4 m=11 s=14
